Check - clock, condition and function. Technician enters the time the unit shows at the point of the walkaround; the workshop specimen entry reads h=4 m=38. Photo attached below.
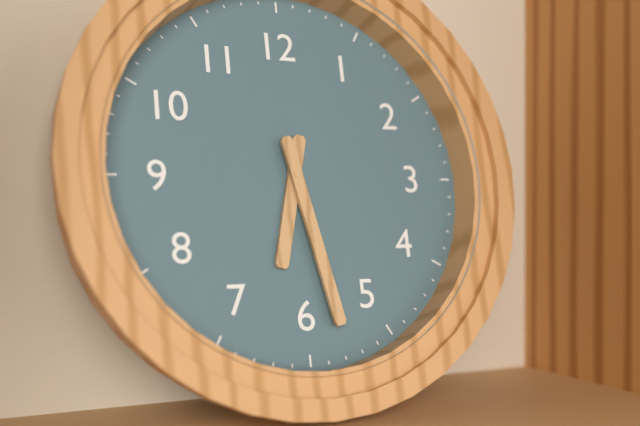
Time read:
h=6 m=28
